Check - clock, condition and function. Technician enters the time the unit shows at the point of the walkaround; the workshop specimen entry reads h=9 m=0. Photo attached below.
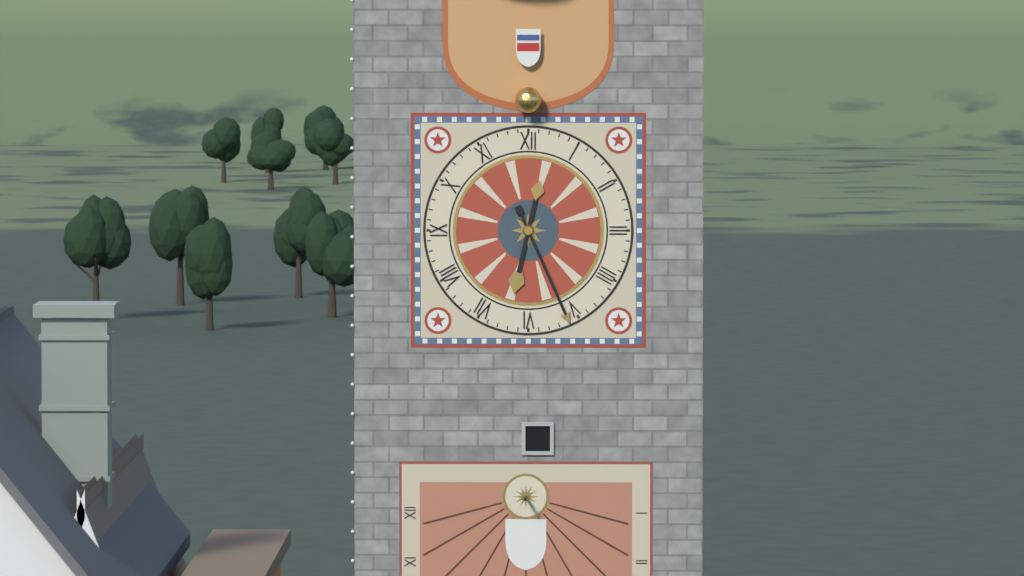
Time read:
h=6 m=26
